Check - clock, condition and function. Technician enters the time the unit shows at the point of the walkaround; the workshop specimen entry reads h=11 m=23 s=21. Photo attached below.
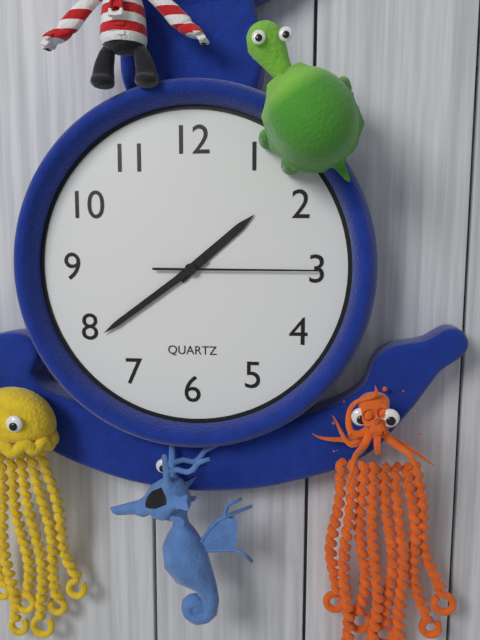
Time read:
h=1 m=39 s=15
